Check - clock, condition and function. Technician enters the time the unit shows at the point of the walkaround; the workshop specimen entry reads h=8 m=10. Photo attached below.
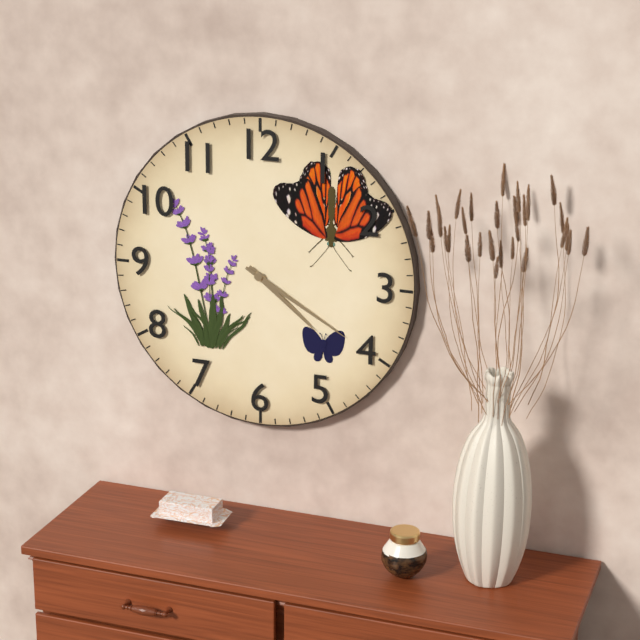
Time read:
h=4 m=20
